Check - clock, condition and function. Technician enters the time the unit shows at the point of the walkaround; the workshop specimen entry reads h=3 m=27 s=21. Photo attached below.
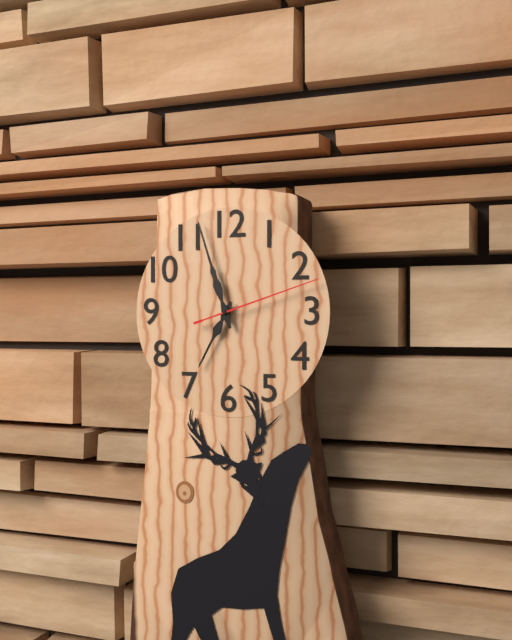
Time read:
h=6 m=57 s=12
